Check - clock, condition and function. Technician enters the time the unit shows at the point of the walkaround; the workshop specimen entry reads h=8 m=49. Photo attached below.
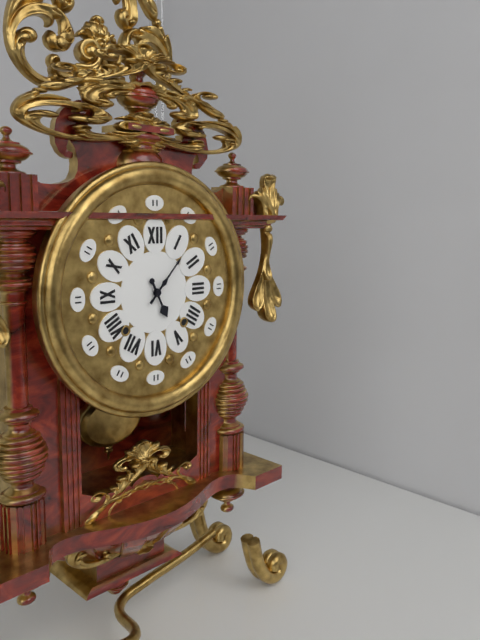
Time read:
h=5 m=7
